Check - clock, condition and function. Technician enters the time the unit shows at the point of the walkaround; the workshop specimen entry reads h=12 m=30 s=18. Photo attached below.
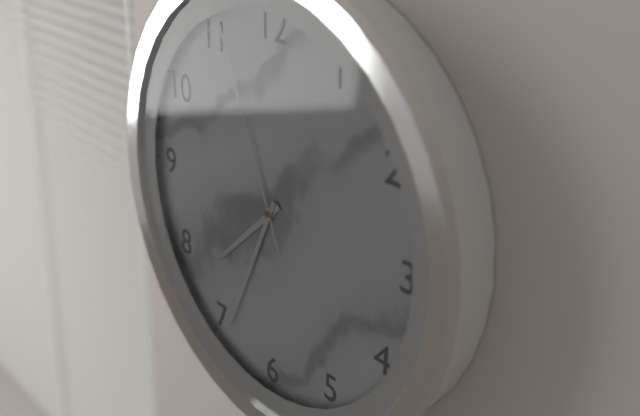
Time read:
h=7 m=34 s=56
